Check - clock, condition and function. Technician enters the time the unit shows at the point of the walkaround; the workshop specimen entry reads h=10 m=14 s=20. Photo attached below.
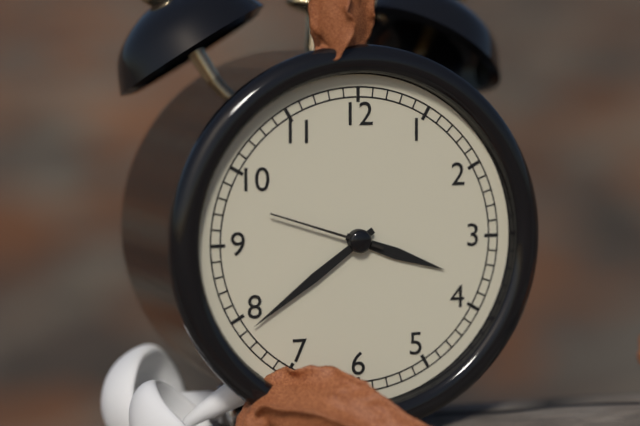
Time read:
h=3 m=39 s=48
